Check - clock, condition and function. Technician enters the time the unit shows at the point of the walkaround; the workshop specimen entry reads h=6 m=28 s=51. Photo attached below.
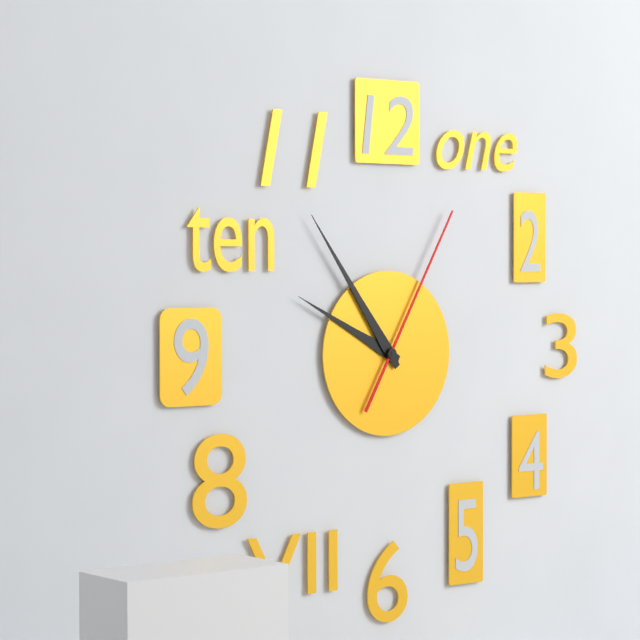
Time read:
h=9 m=54 s=5
